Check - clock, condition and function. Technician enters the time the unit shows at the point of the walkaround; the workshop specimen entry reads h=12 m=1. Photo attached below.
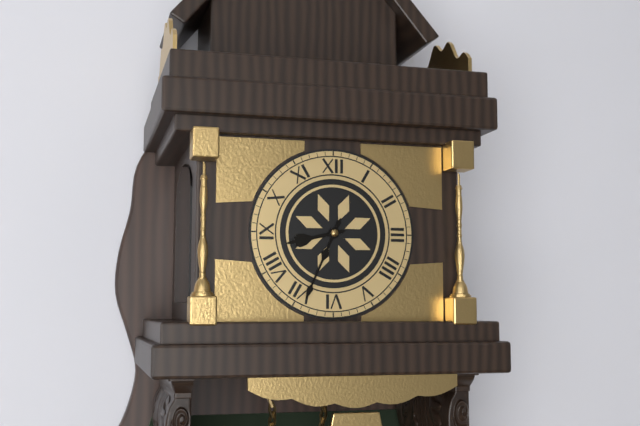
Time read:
h=8 m=34
